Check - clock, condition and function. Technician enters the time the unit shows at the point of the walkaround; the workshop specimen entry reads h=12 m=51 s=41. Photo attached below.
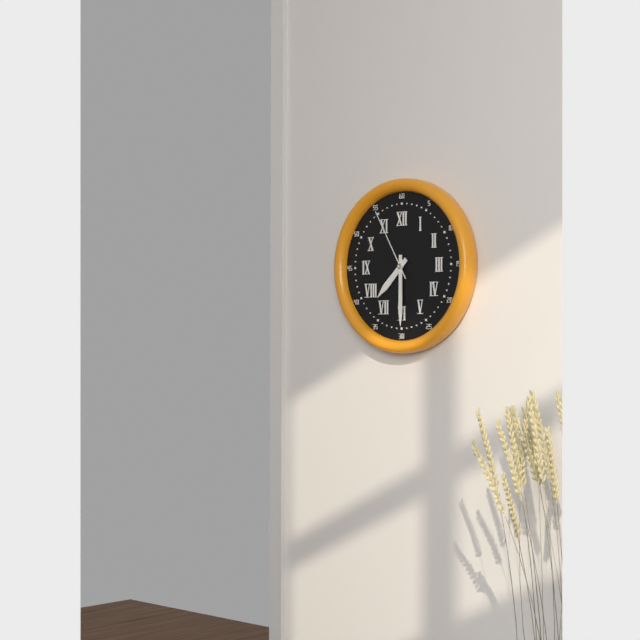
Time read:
h=7 m=30 s=55
